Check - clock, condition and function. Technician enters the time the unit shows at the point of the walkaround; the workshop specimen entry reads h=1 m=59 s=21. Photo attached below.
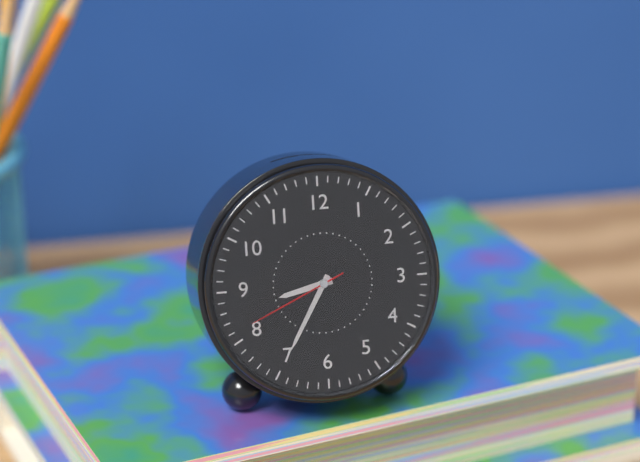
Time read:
h=8 m=35 s=41
